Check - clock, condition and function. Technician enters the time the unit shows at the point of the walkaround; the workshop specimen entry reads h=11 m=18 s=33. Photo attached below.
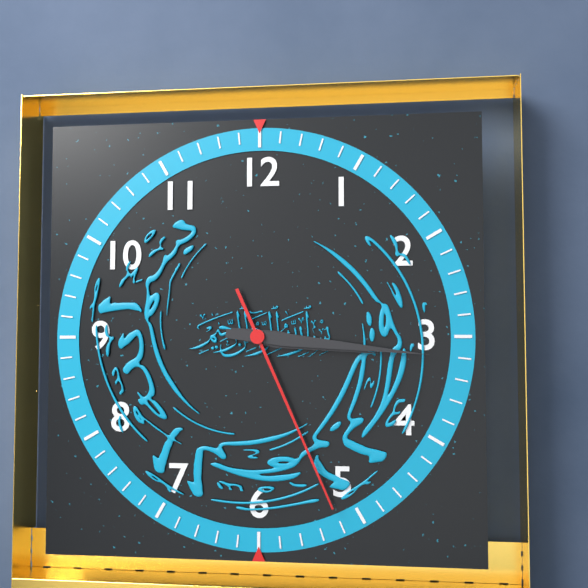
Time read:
h=3 m=16 s=26
